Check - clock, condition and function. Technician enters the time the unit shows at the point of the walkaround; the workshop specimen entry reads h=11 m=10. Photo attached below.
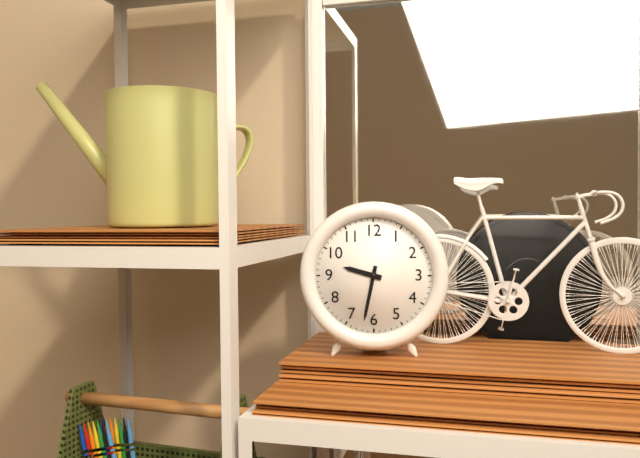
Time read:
h=9 m=32
